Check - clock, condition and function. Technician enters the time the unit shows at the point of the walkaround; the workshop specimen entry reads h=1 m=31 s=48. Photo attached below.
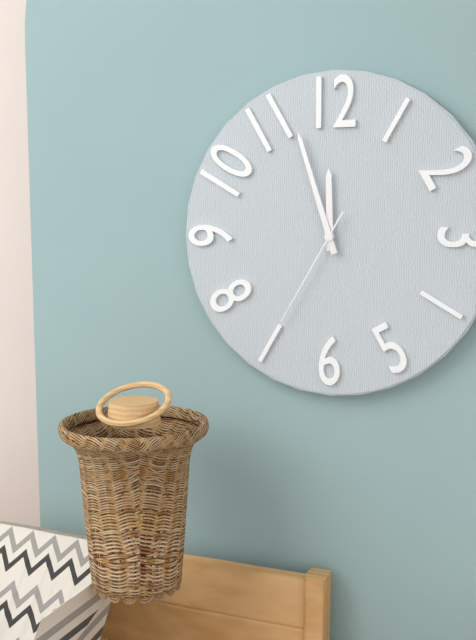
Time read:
h=11 m=57 s=35
